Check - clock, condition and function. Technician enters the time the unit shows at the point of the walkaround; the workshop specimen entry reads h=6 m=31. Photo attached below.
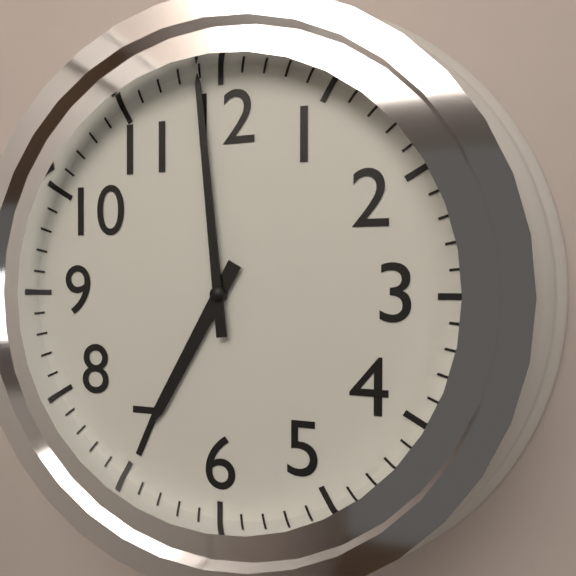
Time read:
h=6 m=59
